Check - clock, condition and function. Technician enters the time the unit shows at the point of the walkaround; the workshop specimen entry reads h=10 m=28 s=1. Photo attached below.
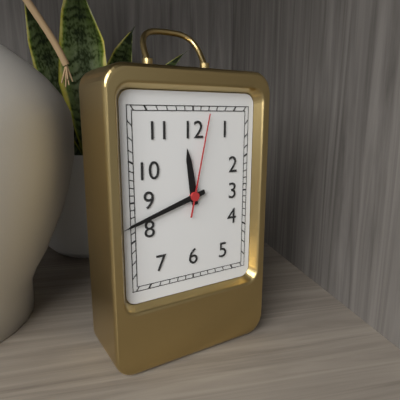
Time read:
h=11 m=42 s=2
